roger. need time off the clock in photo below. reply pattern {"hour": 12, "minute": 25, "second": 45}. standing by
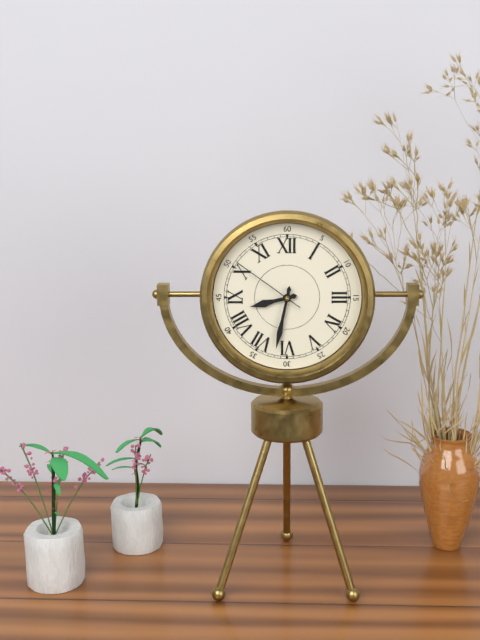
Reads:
{"hour": 8, "minute": 32, "second": 51}
